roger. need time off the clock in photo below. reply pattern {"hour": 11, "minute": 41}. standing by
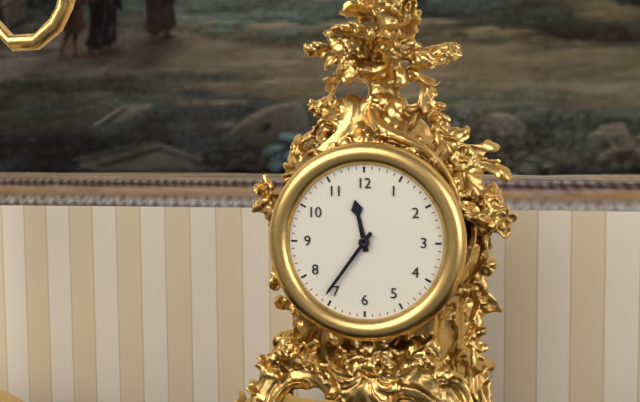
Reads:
{"hour": 11, "minute": 36}
